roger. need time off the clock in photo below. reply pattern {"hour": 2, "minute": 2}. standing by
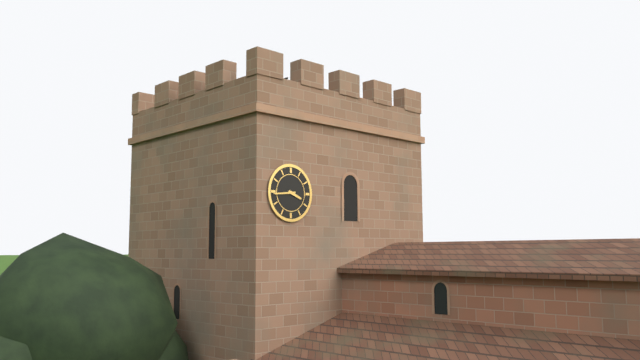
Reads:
{"hour": 3, "minute": 44}
